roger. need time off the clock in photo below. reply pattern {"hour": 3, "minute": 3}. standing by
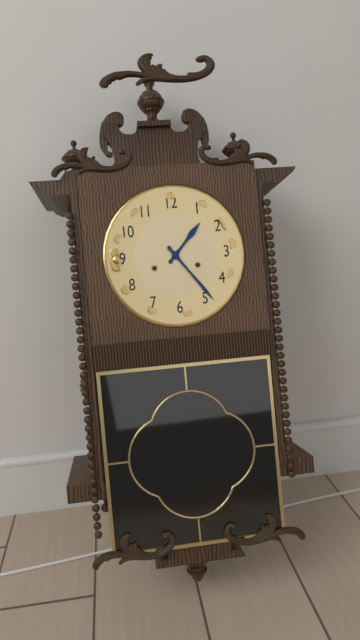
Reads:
{"hour": 1, "minute": 24}
